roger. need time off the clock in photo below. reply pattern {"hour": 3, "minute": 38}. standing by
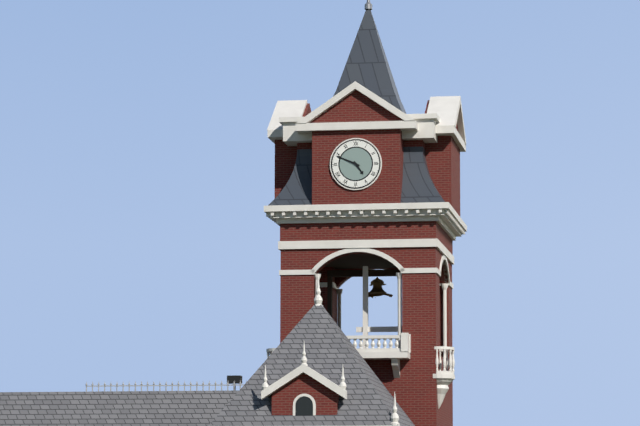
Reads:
{"hour": 4, "minute": 49}
